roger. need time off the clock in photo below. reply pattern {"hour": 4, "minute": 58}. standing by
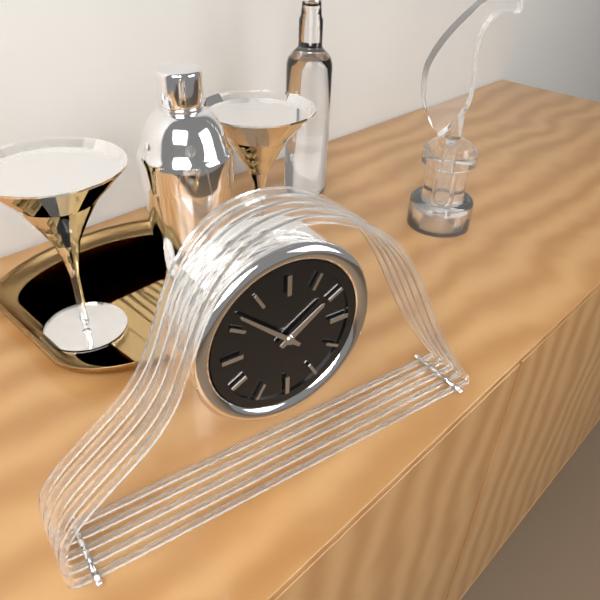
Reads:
{"hour": 1, "minute": 52}
